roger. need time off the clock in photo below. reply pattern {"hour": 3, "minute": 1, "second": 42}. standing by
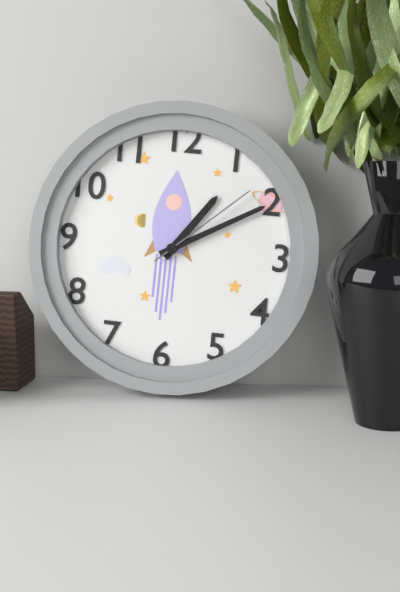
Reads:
{"hour": 1, "minute": 10, "second": 8}
